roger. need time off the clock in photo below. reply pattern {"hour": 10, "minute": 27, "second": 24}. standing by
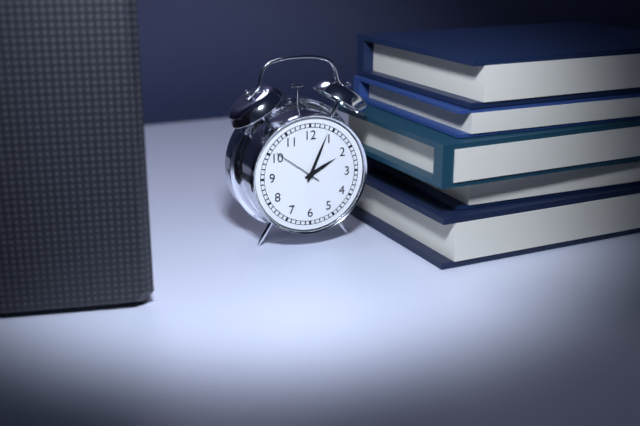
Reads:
{"hour": 2, "minute": 4, "second": 51}
